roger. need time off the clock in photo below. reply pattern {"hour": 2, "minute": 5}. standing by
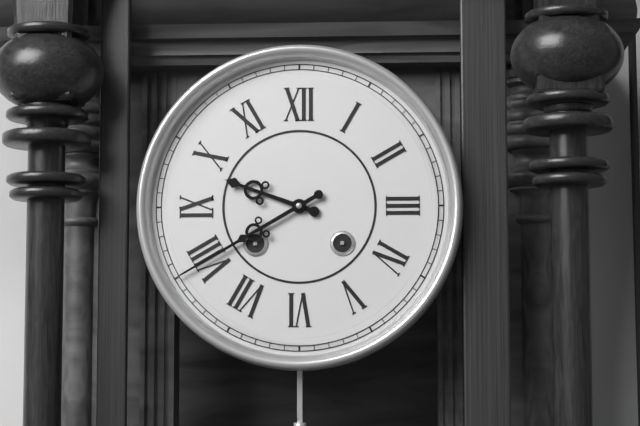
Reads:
{"hour": 9, "minute": 40}
